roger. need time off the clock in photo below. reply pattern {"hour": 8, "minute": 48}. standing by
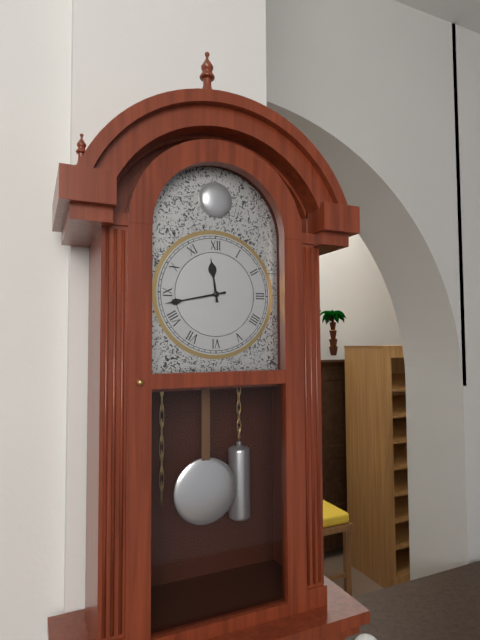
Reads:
{"hour": 11, "minute": 43}
